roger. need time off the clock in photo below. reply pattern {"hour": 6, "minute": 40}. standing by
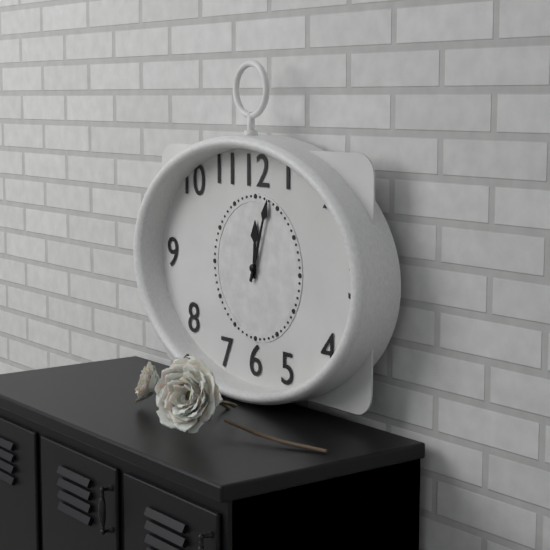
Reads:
{"hour": 12, "minute": 3}
